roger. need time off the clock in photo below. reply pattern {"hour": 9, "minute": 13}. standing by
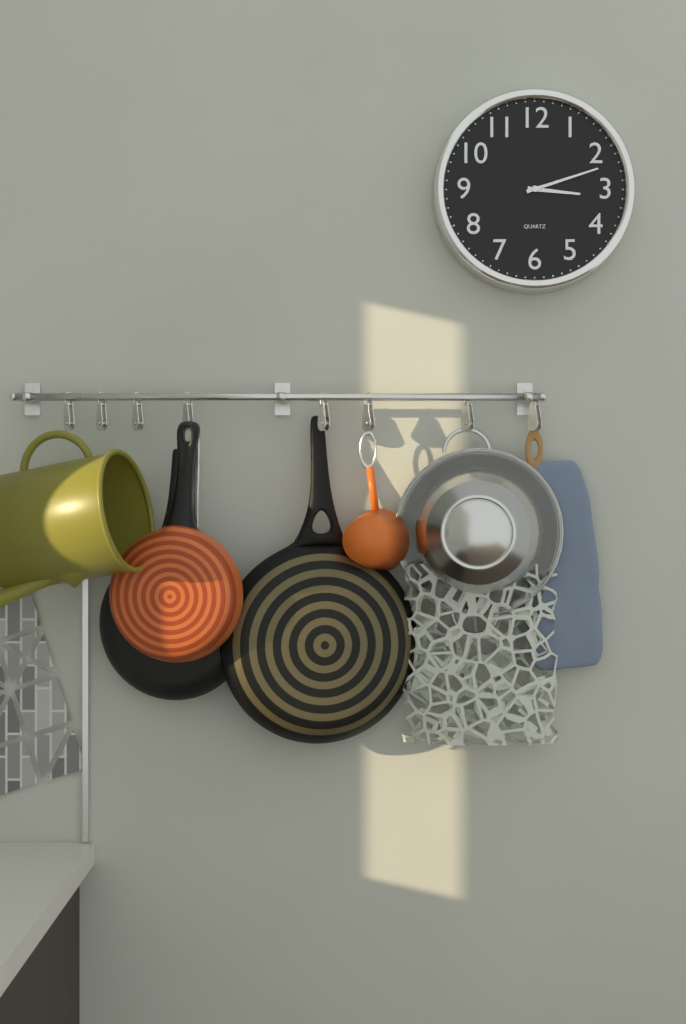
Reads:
{"hour": 3, "minute": 12}
